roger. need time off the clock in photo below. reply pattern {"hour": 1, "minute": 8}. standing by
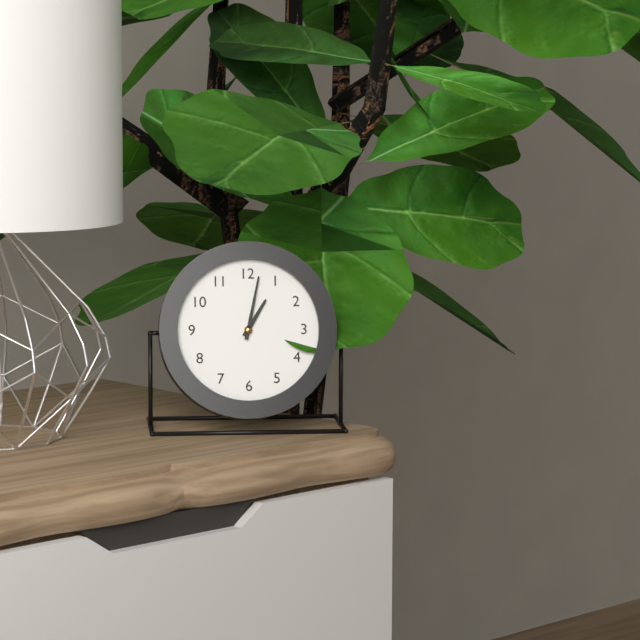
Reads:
{"hour": 1, "minute": 2}
